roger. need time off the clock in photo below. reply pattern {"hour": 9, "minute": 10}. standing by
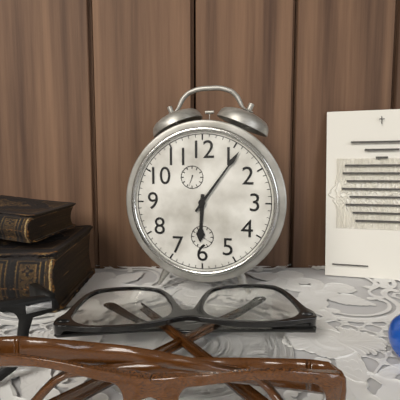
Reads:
{"hour": 6, "minute": 6}
